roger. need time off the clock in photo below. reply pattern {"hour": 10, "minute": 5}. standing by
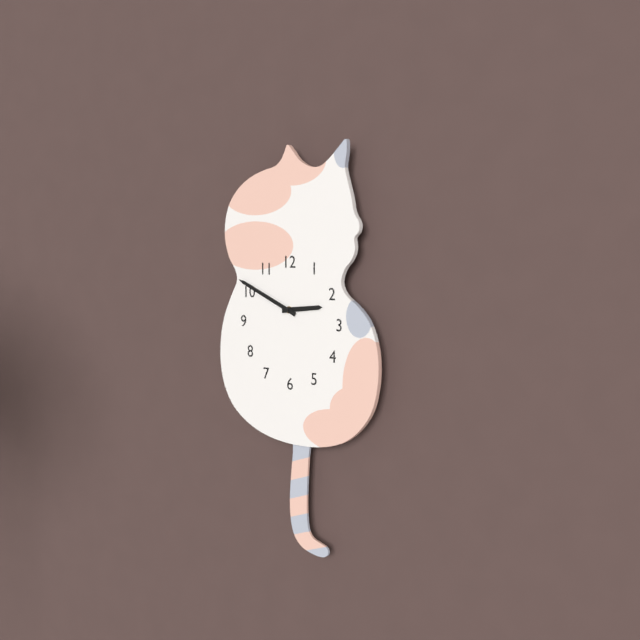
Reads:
{"hour": 2, "minute": 49}
